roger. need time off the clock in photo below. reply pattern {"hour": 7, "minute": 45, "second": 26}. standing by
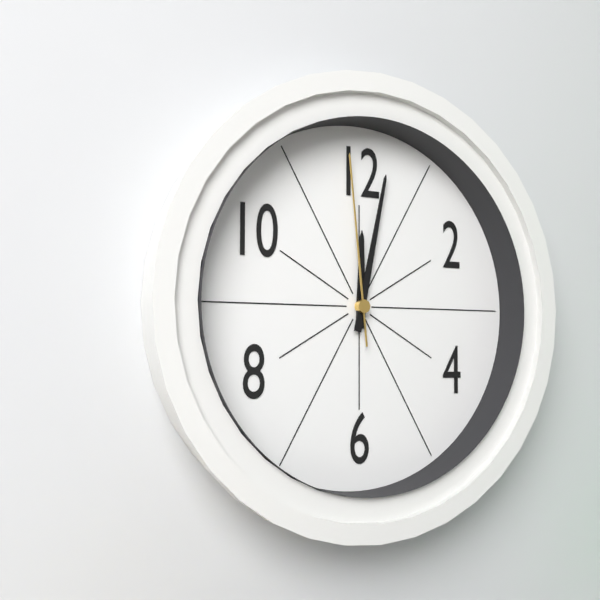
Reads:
{"hour": 12, "minute": 2, "second": 59}
